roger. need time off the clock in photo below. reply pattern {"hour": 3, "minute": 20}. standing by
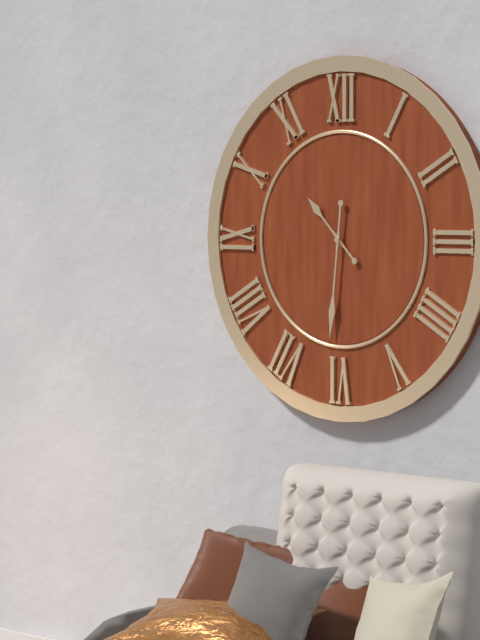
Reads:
{"hour": 10, "minute": 31}
